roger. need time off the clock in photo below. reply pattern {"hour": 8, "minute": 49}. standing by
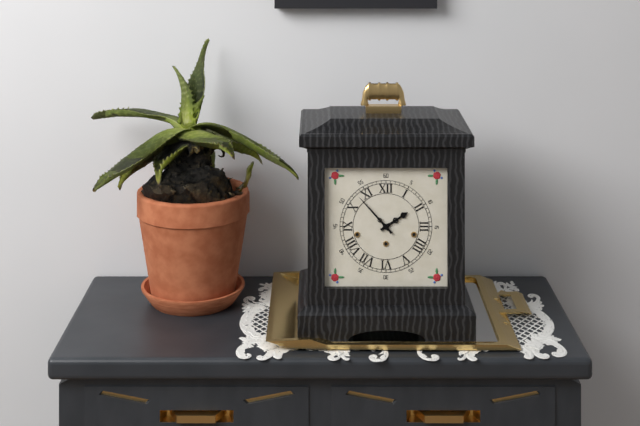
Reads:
{"hour": 1, "minute": 53}
